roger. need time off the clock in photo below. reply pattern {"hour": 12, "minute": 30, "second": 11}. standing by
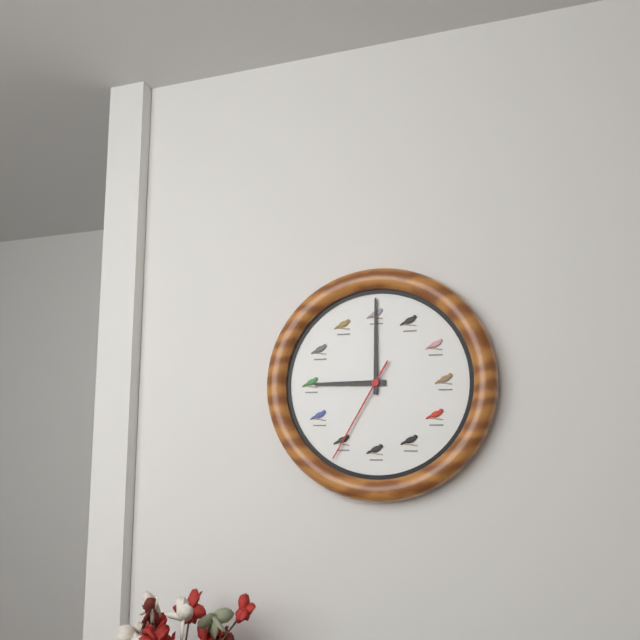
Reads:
{"hour": 9, "minute": 0, "second": 35}
